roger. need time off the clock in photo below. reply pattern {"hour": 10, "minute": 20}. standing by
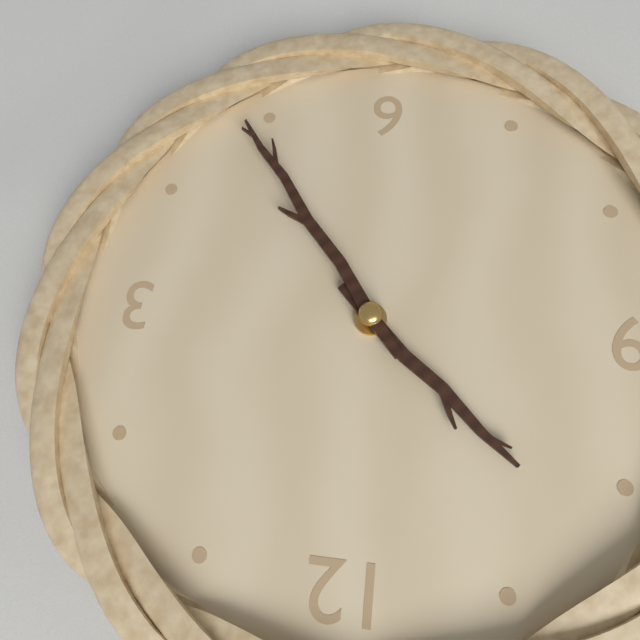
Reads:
{"hour": 10, "minute": 24}
